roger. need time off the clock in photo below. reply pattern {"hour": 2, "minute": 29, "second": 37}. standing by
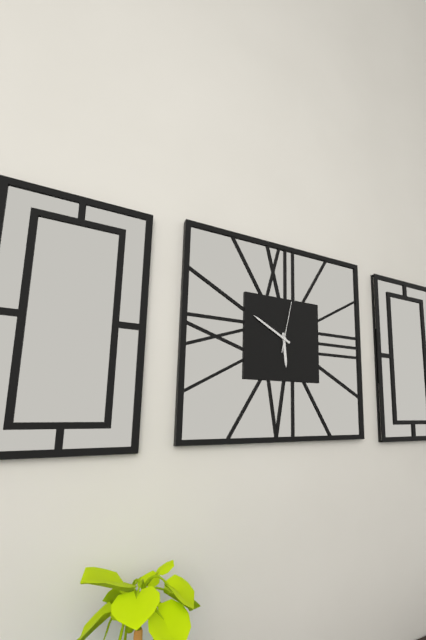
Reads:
{"hour": 5, "minute": 50, "second": 2}
